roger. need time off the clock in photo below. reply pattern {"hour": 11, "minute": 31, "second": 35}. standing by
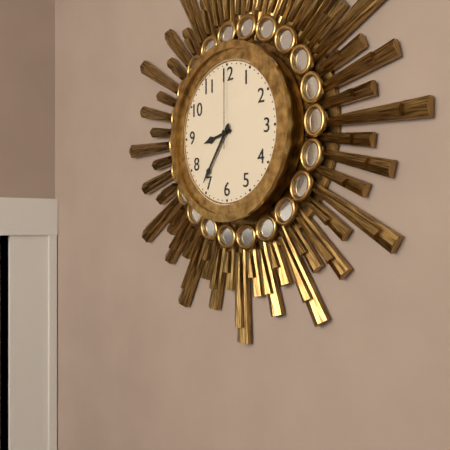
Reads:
{"hour": 8, "minute": 36, "second": 0}
